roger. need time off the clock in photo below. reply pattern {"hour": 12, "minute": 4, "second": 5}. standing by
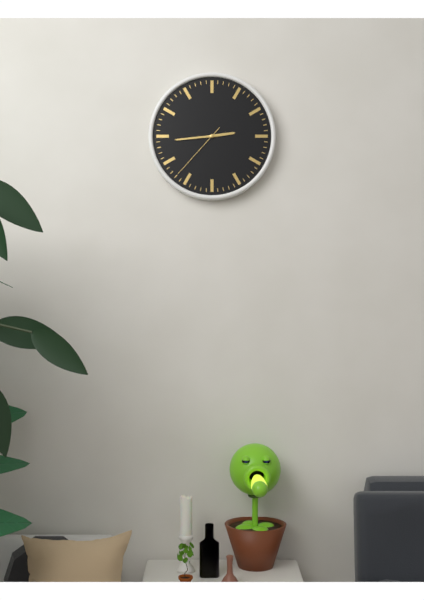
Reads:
{"hour": 2, "minute": 44, "second": 37}
